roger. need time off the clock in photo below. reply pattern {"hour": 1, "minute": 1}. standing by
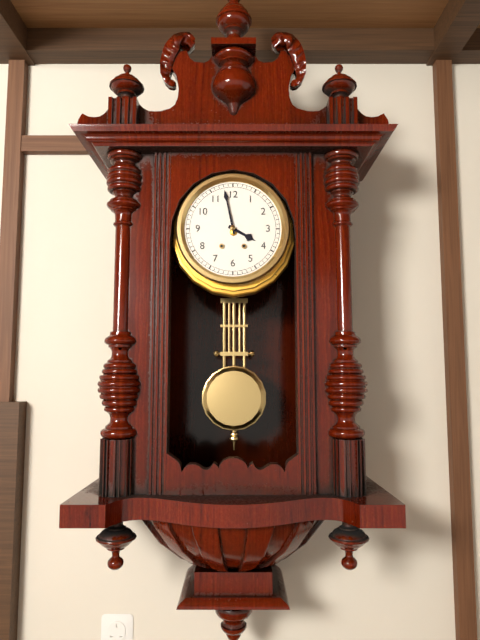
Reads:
{"hour": 3, "minute": 58}
